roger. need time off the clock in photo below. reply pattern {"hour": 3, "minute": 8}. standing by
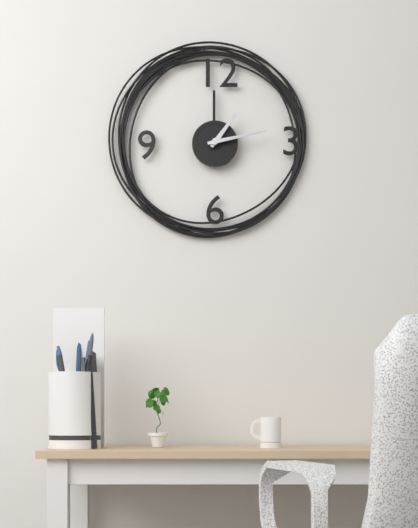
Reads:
{"hour": 1, "minute": 13}
